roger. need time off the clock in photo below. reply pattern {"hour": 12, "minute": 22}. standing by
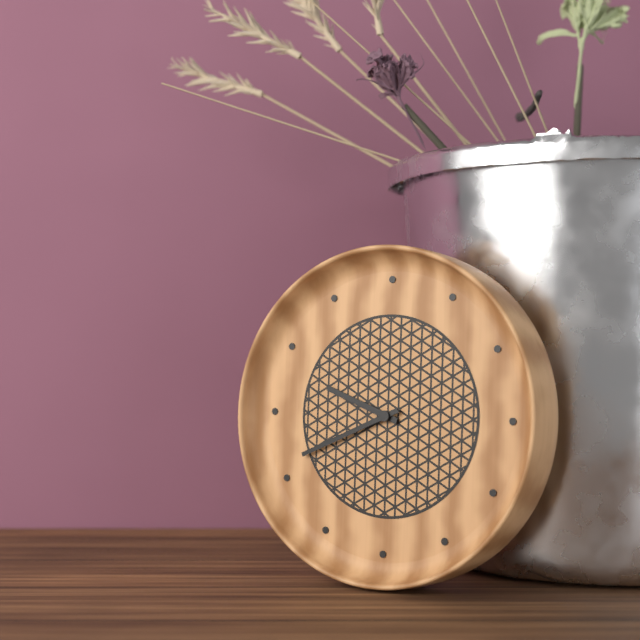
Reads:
{"hour": 9, "minute": 41}
